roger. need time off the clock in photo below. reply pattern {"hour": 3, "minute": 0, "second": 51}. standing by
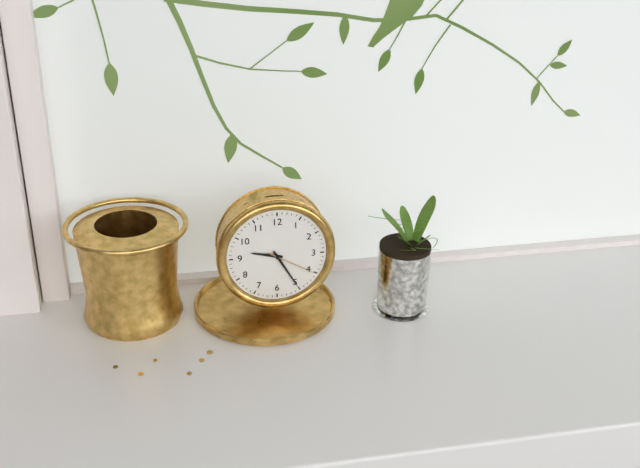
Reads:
{"hour": 9, "minute": 25, "second": 20}
